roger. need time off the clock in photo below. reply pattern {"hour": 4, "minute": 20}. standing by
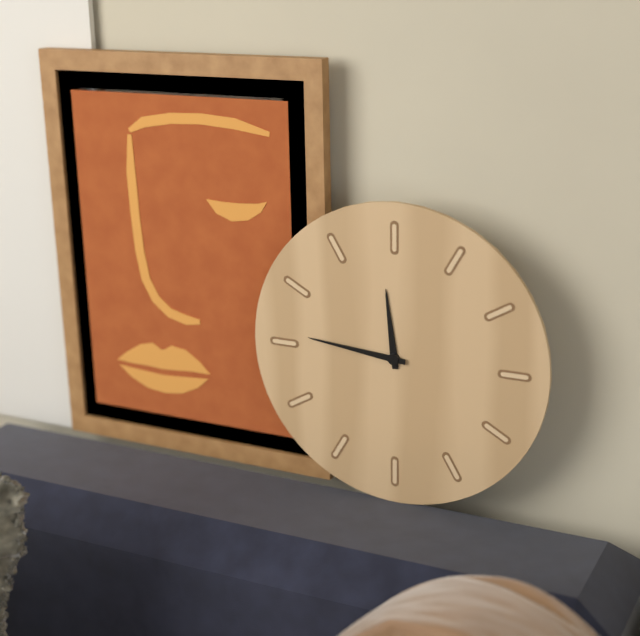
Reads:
{"hour": 11, "minute": 46}
